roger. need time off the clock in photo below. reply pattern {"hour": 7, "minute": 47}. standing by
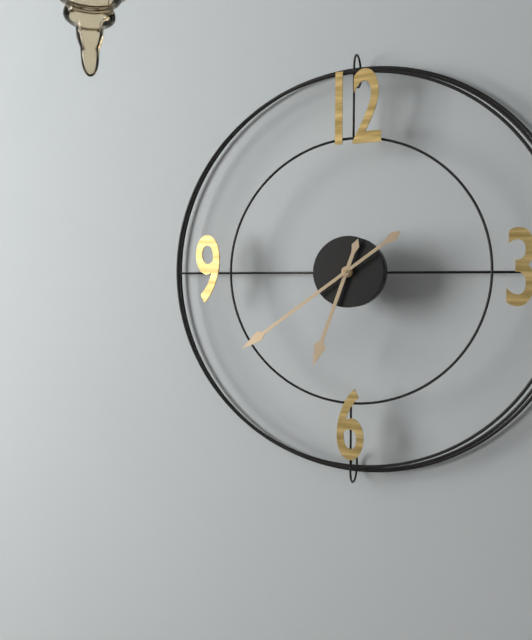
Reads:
{"hour": 6, "minute": 39}
